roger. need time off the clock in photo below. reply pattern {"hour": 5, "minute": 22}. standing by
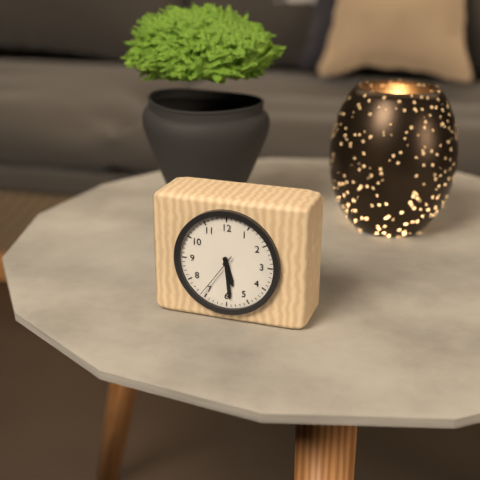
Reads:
{"hour": 5, "minute": 29}
